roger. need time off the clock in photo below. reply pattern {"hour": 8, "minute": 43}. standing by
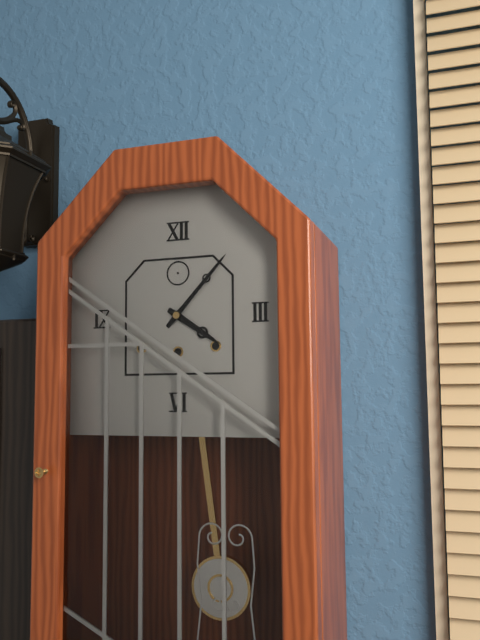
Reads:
{"hour": 4, "minute": 7}
